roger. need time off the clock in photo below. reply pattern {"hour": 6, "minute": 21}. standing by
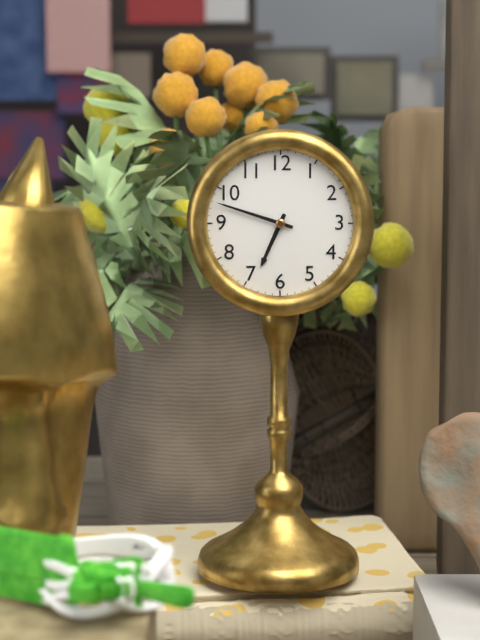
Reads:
{"hour": 6, "minute": 48}
